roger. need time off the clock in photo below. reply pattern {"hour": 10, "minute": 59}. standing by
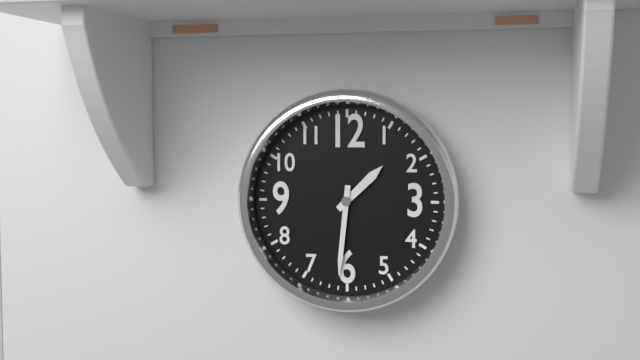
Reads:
{"hour": 1, "minute": 31}
